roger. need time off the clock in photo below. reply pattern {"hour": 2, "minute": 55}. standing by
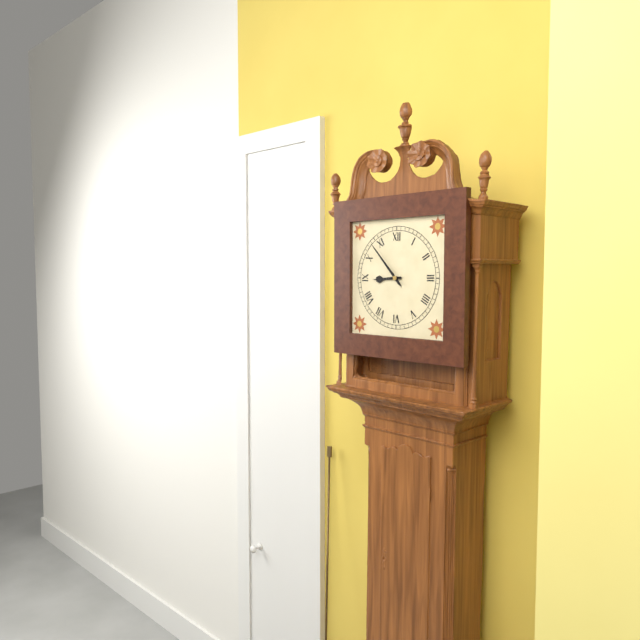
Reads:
{"hour": 8, "minute": 53}
